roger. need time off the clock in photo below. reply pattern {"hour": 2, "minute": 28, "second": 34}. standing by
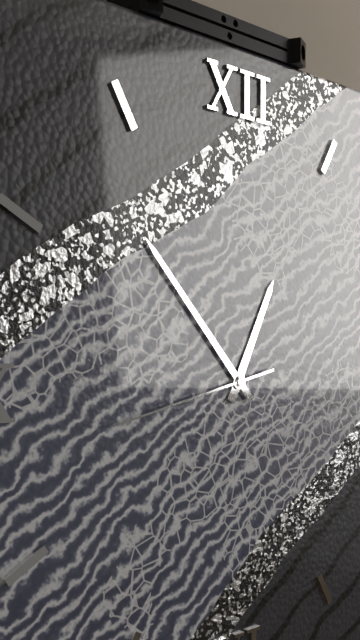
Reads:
{"hour": 12, "minute": 53, "second": 43}
